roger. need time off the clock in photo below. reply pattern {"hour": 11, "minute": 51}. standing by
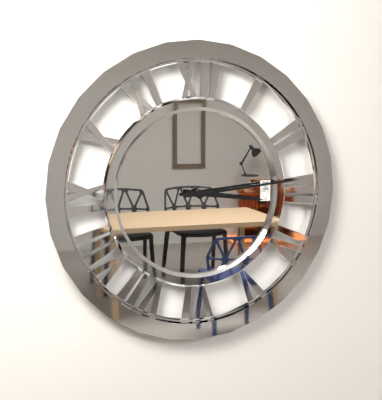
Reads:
{"hour": 3, "minute": 14}
